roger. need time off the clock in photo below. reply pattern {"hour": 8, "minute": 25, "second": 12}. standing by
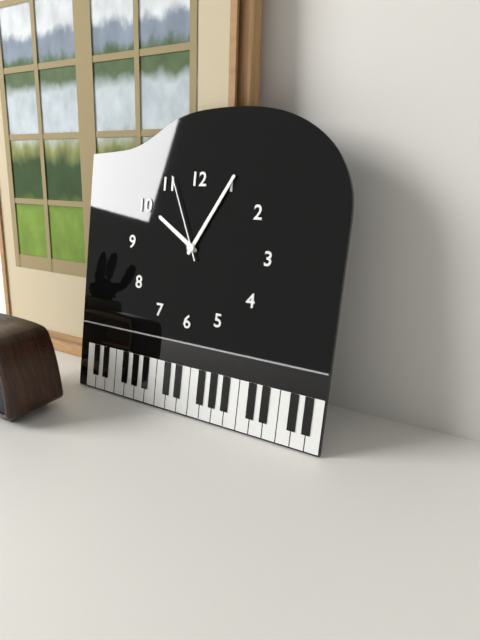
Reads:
{"hour": 10, "minute": 5, "second": 56}
